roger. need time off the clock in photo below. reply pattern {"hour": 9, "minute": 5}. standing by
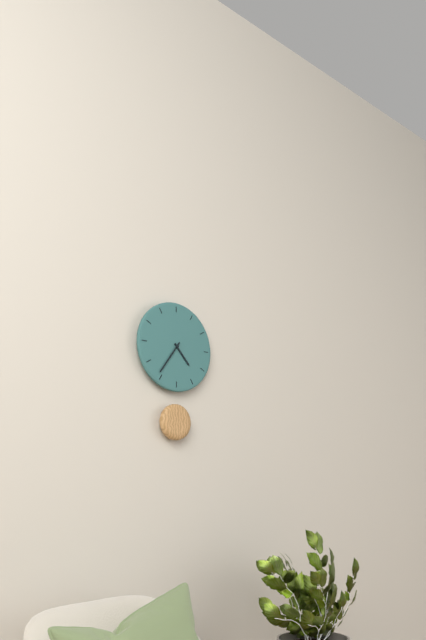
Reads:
{"hour": 4, "minute": 36}
